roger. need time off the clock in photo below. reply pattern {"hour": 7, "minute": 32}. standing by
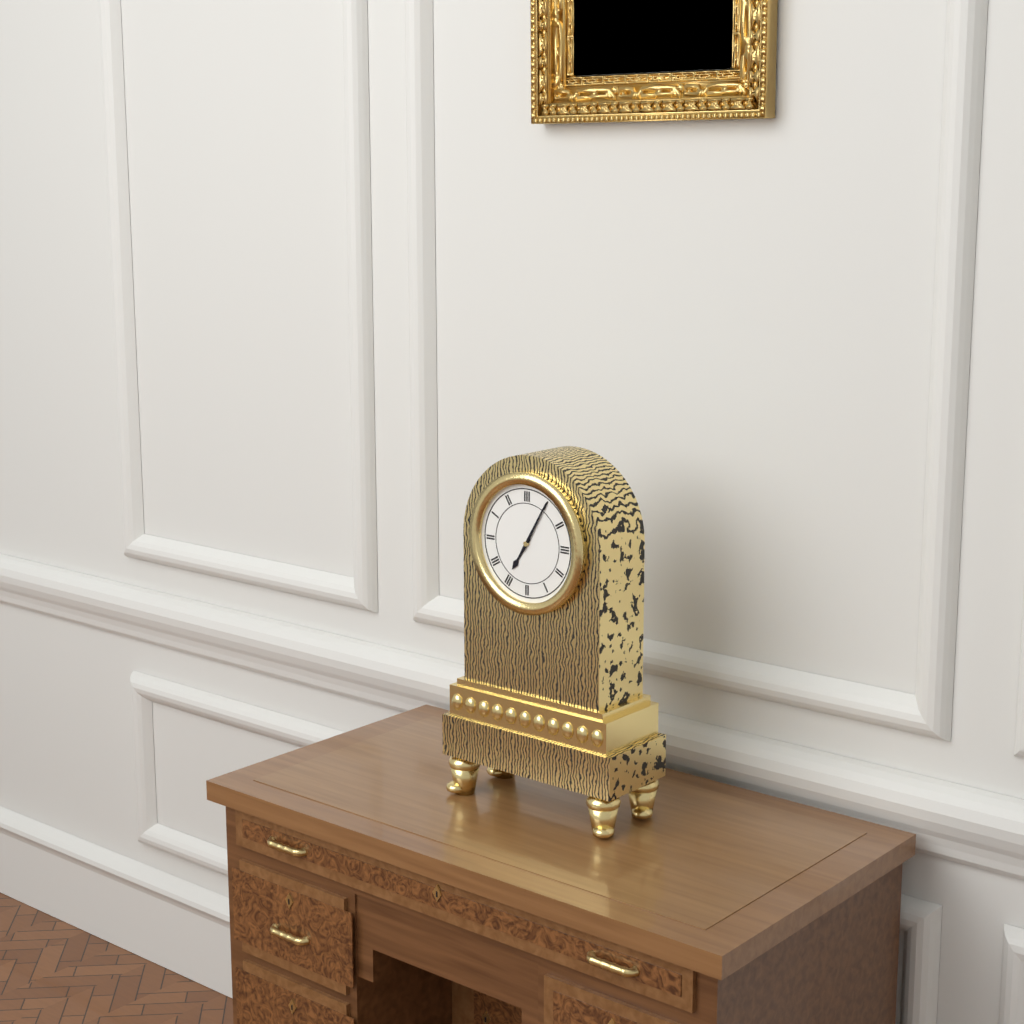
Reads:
{"hour": 7, "minute": 5}
